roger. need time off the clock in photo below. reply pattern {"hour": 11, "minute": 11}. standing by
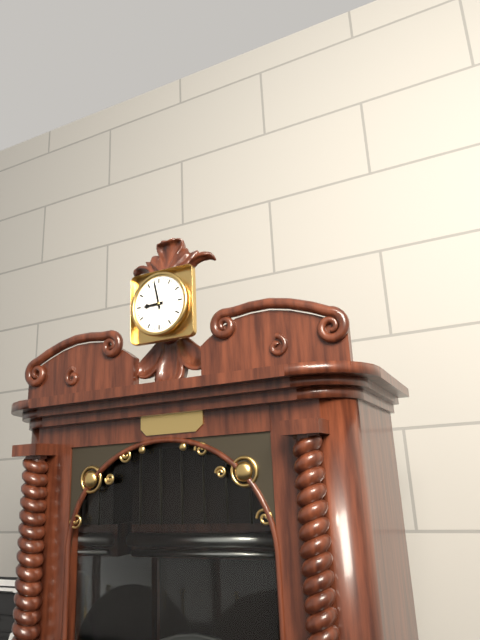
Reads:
{"hour": 8, "minute": 58}
